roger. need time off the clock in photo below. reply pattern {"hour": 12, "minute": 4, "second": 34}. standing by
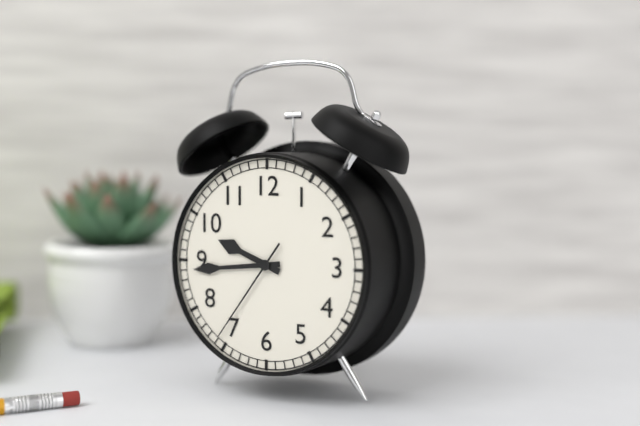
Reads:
{"hour": 9, "minute": 44, "second": 36}
